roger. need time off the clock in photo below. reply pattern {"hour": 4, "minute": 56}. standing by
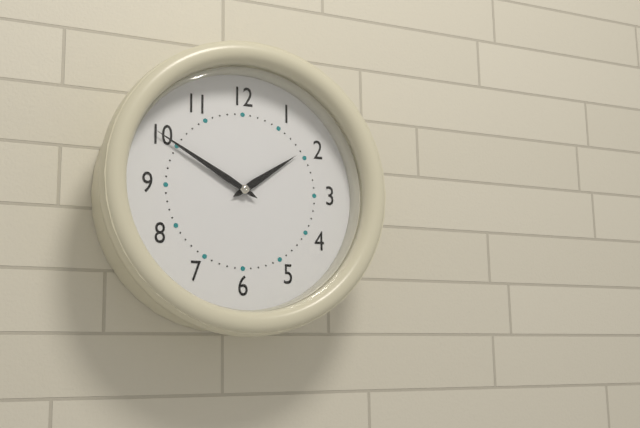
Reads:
{"hour": 1, "minute": 50}
